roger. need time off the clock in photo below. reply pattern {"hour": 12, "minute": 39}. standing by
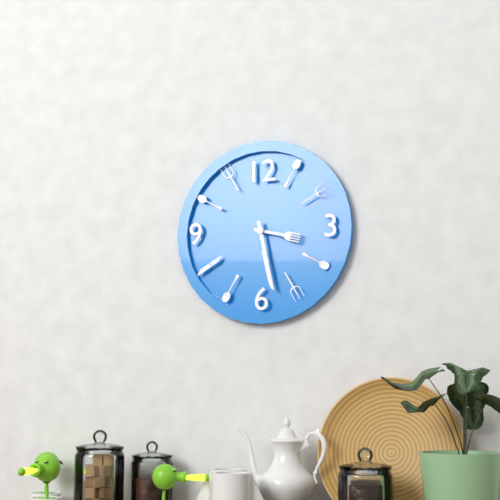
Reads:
{"hour": 3, "minute": 28}
